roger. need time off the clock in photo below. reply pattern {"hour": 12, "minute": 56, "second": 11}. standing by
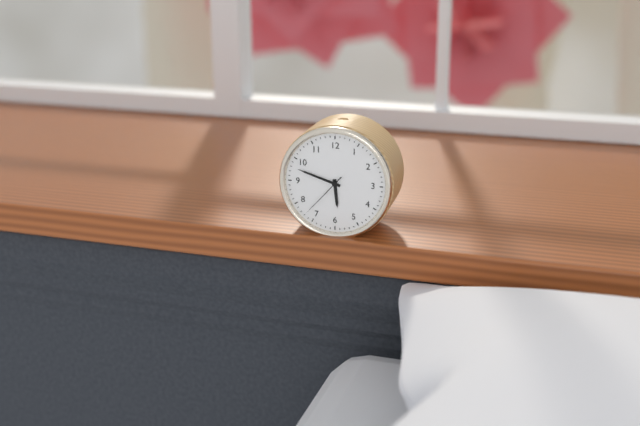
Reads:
{"hour": 5, "minute": 48, "second": 37}
